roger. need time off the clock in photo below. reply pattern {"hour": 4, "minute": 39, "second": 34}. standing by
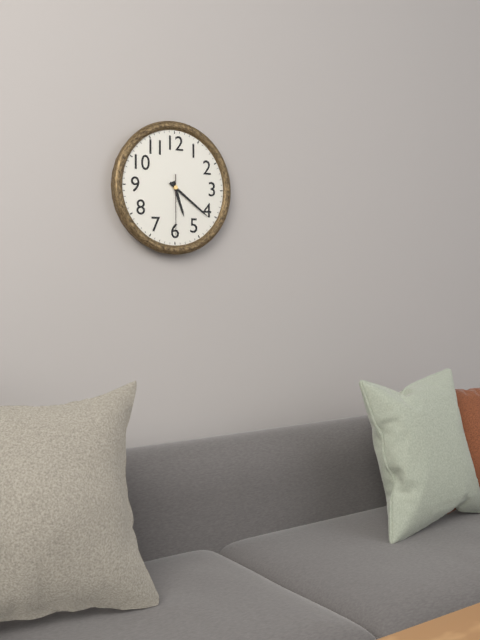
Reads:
{"hour": 5, "minute": 21, "second": 30}
